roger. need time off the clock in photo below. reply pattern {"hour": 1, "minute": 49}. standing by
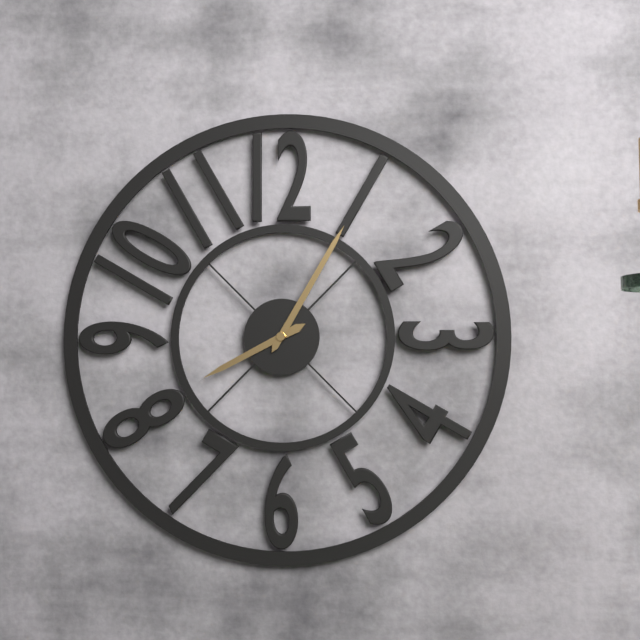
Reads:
{"hour": 8, "minute": 5}
